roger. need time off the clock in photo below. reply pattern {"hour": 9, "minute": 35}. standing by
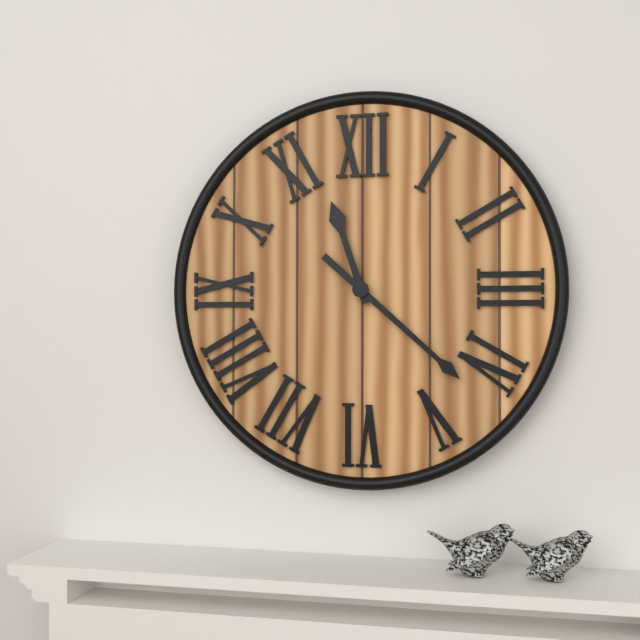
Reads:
{"hour": 11, "minute": 22}
